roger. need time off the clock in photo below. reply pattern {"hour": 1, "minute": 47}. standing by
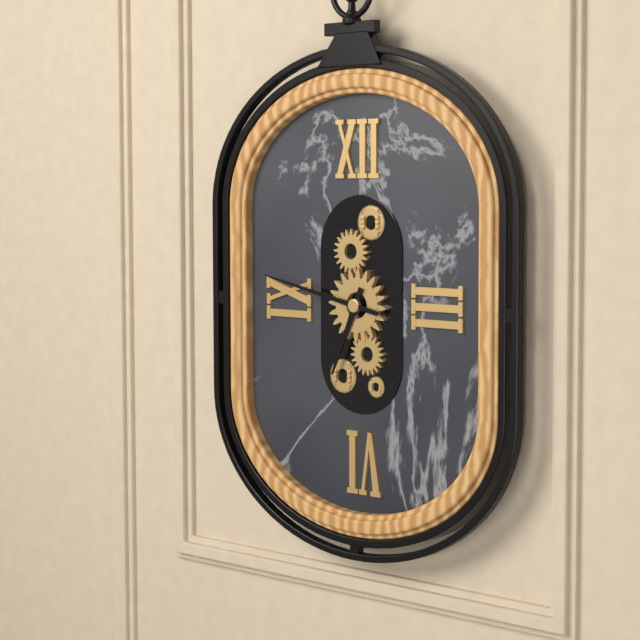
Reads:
{"hour": 6, "minute": 47}
